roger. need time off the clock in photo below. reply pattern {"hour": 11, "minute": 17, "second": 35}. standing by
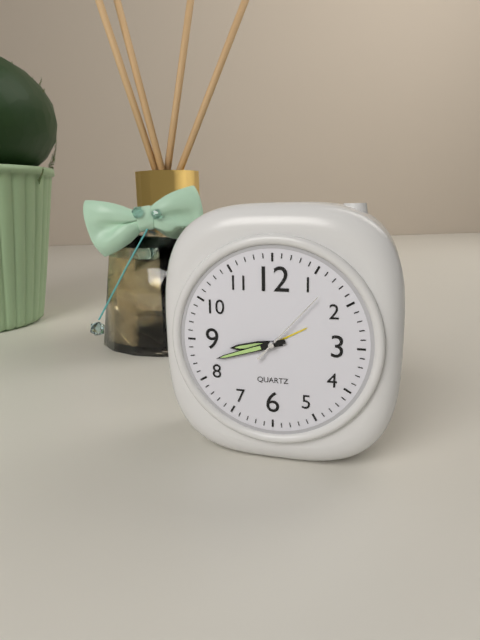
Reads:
{"hour": 8, "minute": 42, "second": 7}
